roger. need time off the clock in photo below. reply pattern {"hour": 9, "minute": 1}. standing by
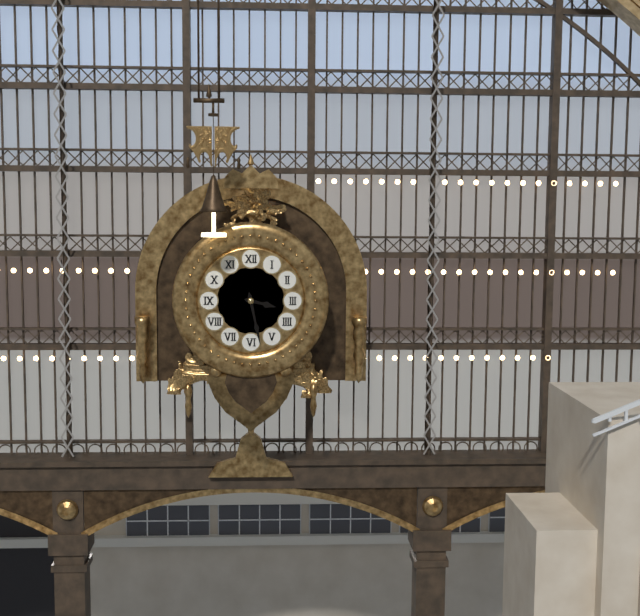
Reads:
{"hour": 3, "minute": 28}
